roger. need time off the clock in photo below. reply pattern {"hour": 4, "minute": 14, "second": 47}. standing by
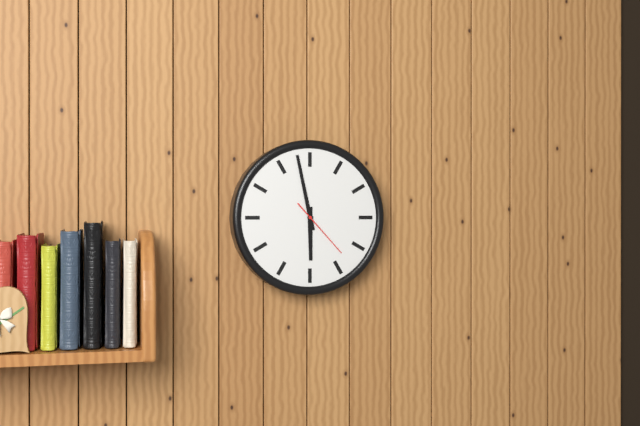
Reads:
{"hour": 5, "minute": 58, "second": 23}
